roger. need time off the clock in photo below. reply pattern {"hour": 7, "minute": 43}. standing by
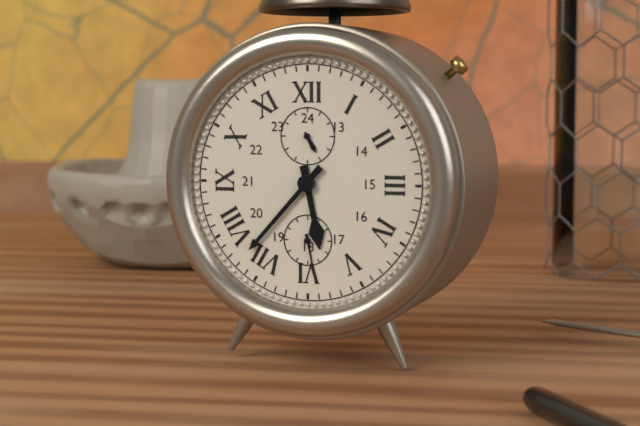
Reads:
{"hour": 5, "minute": 37}
